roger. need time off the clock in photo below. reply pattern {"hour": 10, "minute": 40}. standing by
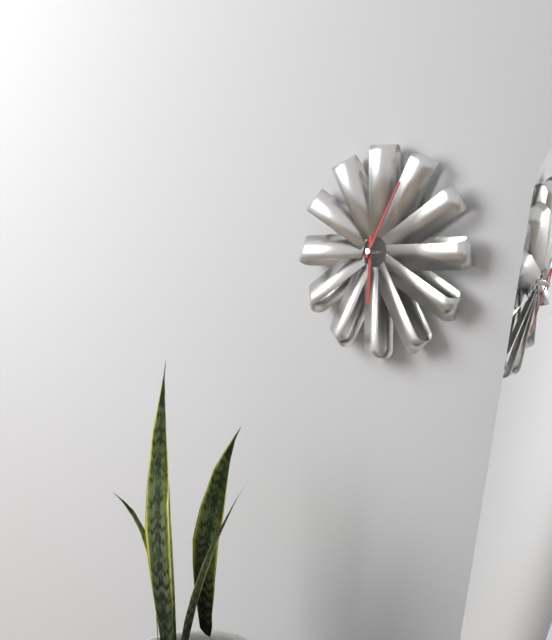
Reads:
{"hour": 6, "minute": 5}
